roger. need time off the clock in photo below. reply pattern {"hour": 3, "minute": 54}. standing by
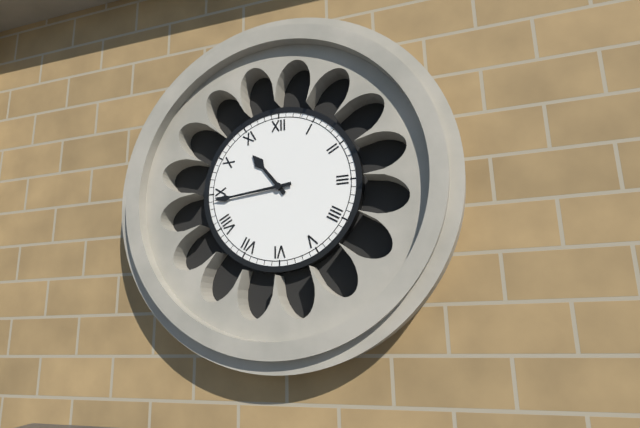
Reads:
{"hour": 10, "minute": 44}
